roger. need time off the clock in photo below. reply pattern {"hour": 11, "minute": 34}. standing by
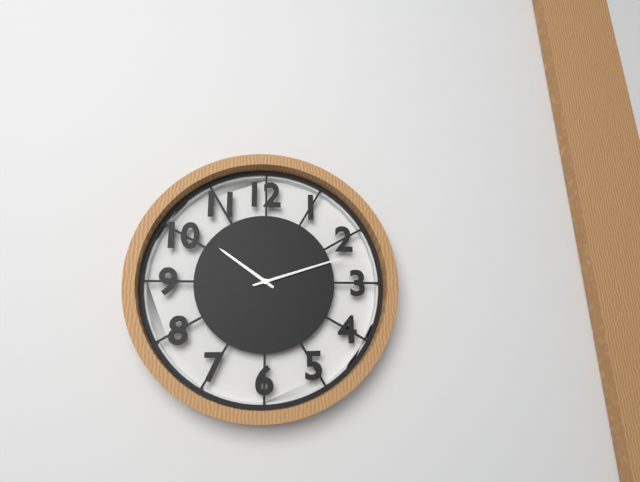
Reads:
{"hour": 10, "minute": 12}
